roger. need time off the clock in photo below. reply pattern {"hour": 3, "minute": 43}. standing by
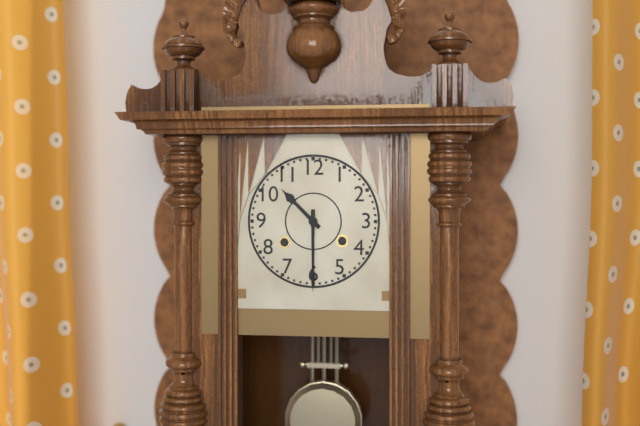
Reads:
{"hour": 10, "minute": 30}
